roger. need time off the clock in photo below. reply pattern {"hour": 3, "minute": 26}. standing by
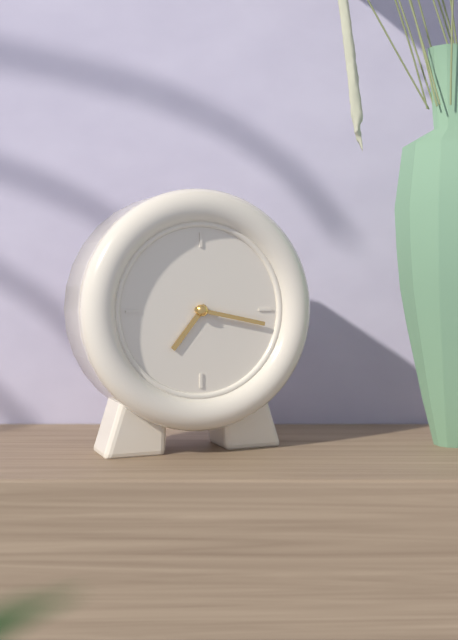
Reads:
{"hour": 7, "minute": 17}
